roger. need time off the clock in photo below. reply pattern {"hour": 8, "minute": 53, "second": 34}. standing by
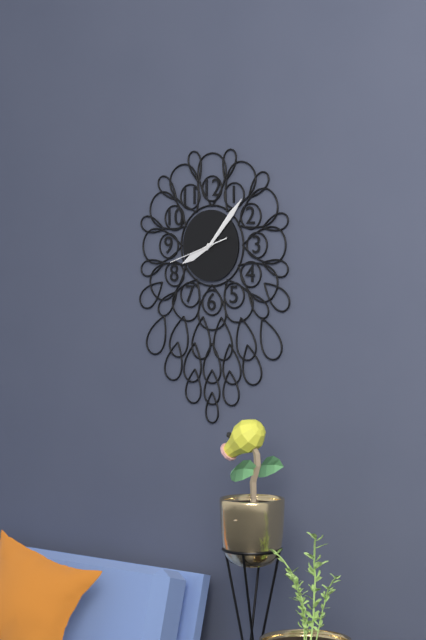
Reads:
{"hour": 8, "minute": 7, "second": 42}
